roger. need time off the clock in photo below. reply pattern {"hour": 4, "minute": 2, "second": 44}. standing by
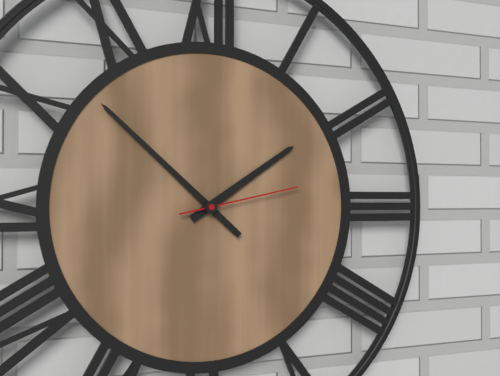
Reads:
{"hour": 1, "minute": 52, "second": 13}
